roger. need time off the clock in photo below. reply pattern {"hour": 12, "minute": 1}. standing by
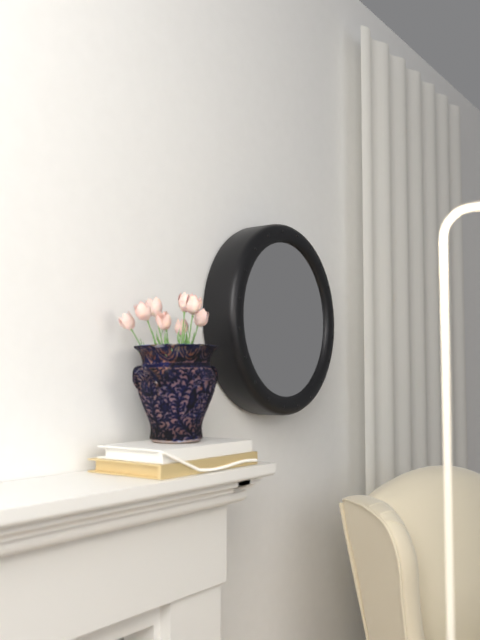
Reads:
{"hour": 3, "minute": 8}
